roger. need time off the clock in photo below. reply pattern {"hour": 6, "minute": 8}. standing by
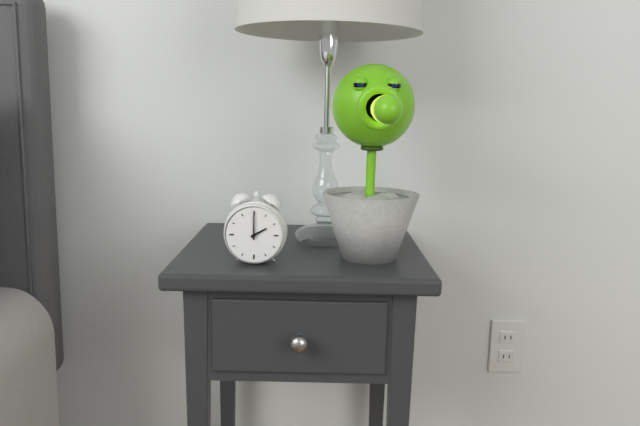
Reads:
{"hour": 2, "minute": 0}
